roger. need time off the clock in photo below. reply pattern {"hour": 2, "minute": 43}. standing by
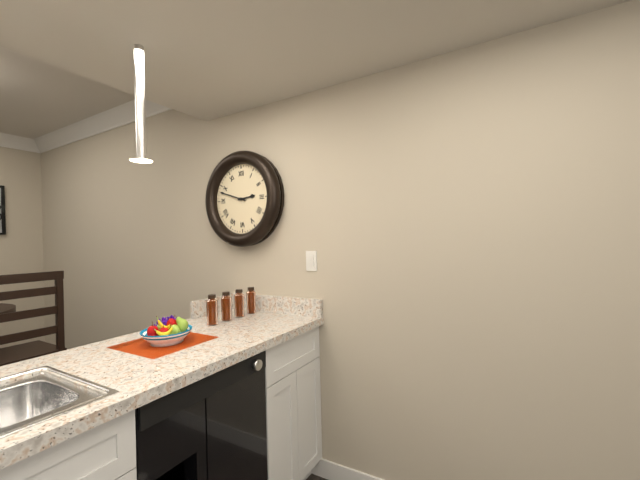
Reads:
{"hour": 2, "minute": 48}
